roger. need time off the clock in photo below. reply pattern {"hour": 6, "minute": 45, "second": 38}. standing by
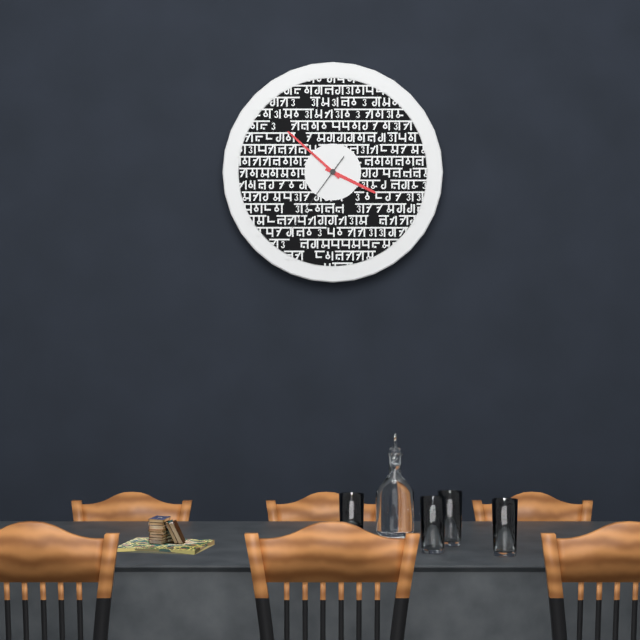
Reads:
{"hour": 3, "minute": 52, "second": 36}
